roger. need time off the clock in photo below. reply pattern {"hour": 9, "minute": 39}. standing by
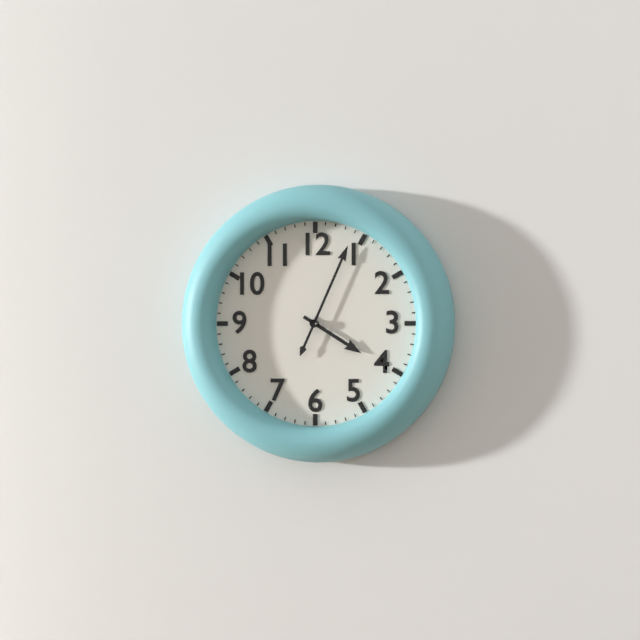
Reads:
{"hour": 4, "minute": 4}
